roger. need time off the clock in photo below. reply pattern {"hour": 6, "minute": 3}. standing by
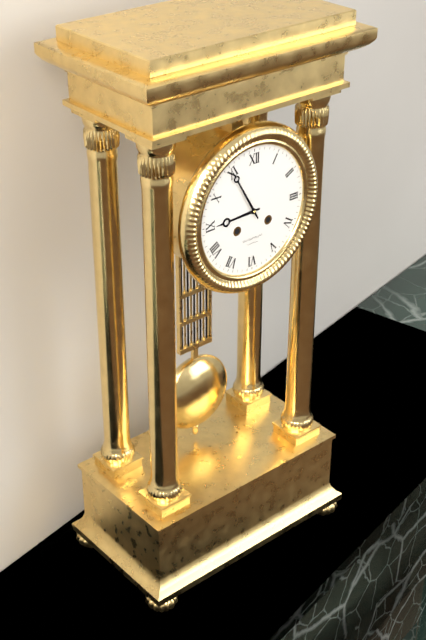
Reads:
{"hour": 8, "minute": 55}
